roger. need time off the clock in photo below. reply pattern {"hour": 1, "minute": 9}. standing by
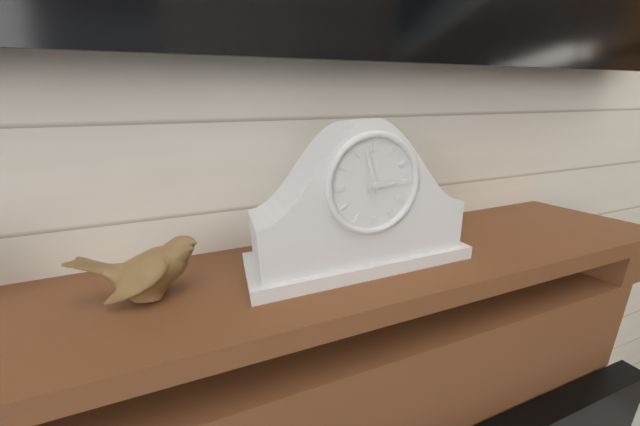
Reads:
{"hour": 2, "minute": 57}
